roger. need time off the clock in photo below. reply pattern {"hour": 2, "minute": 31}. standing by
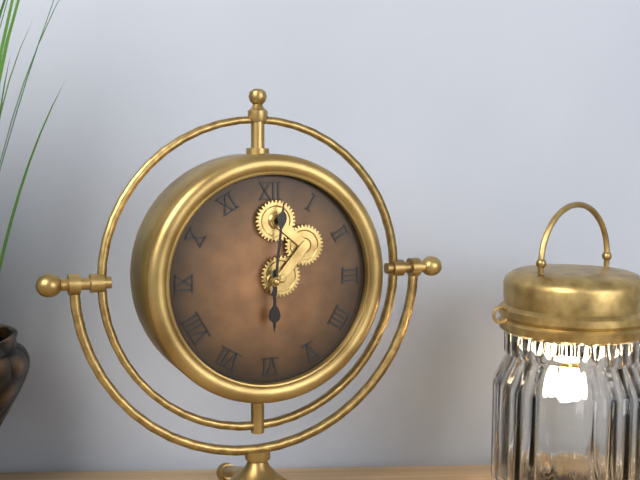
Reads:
{"hour": 6, "minute": 1}
